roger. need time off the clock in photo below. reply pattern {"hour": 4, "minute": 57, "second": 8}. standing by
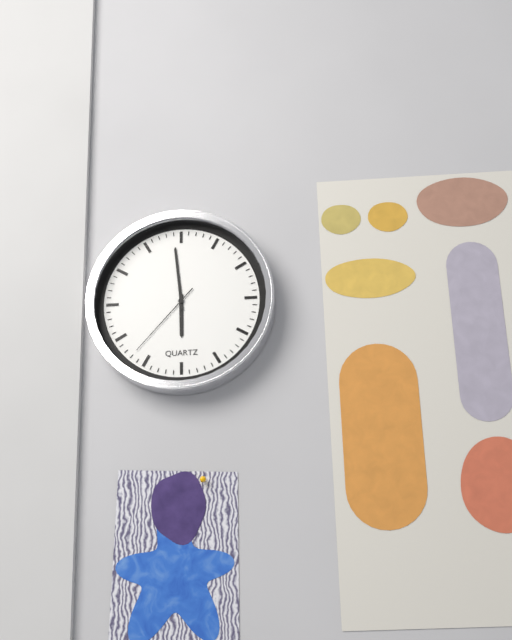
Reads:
{"hour": 5, "minute": 59, "second": 37}
